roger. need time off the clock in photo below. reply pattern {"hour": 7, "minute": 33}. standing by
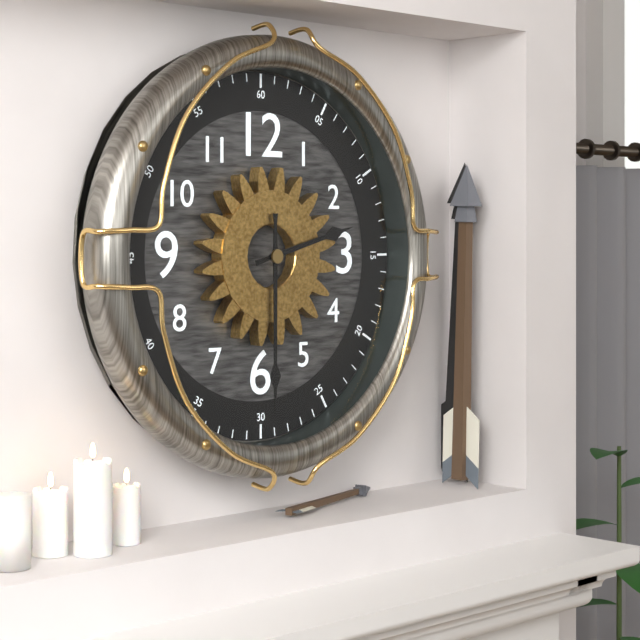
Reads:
{"hour": 2, "minute": 30}
